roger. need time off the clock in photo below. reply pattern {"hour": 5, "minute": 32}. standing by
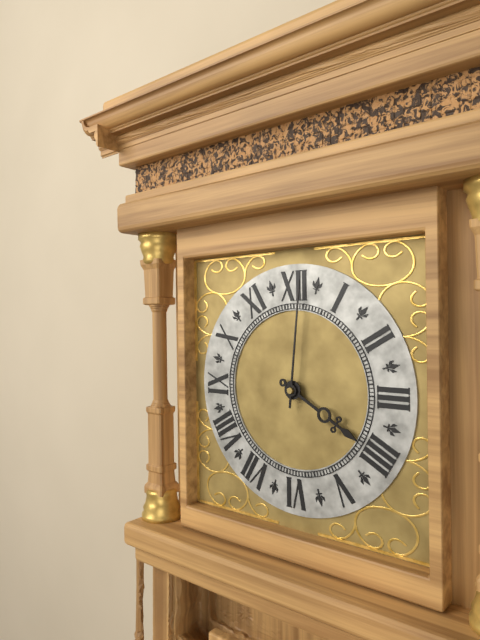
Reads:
{"hour": 4, "minute": 1}
